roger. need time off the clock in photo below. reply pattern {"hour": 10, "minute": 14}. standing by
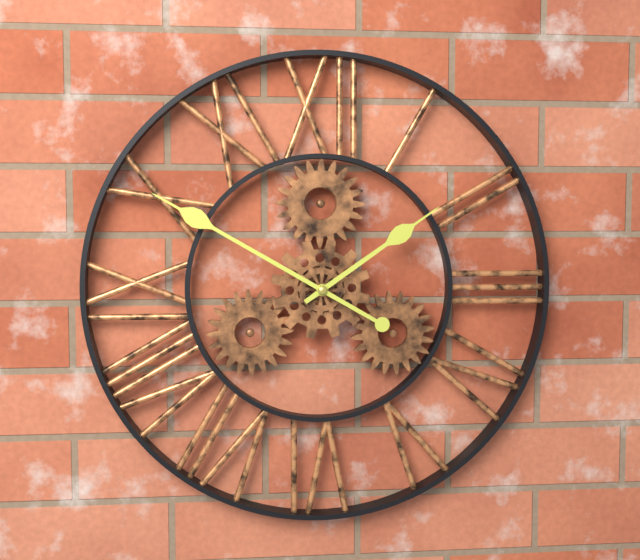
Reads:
{"hour": 1, "minute": 50}
